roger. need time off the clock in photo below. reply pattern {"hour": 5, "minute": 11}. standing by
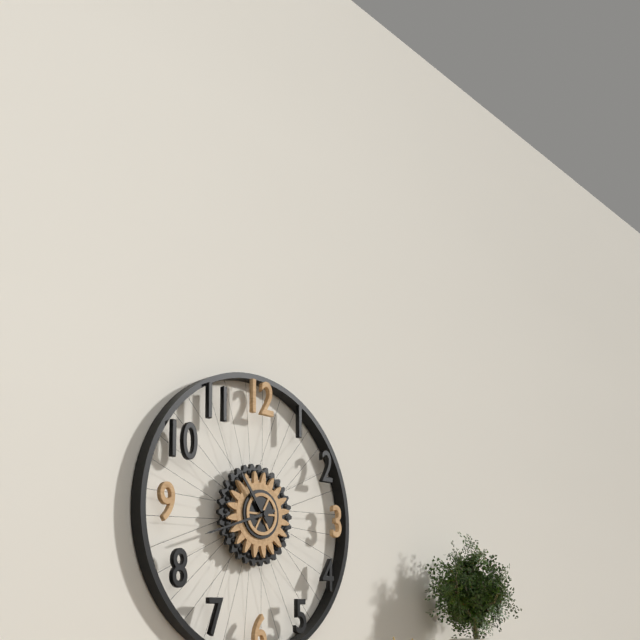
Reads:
{"hour": 10, "minute": 42}
